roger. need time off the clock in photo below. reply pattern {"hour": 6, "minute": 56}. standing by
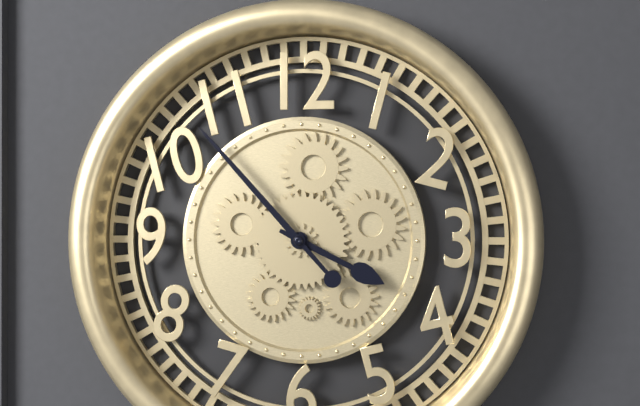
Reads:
{"hour": 3, "minute": 53}
